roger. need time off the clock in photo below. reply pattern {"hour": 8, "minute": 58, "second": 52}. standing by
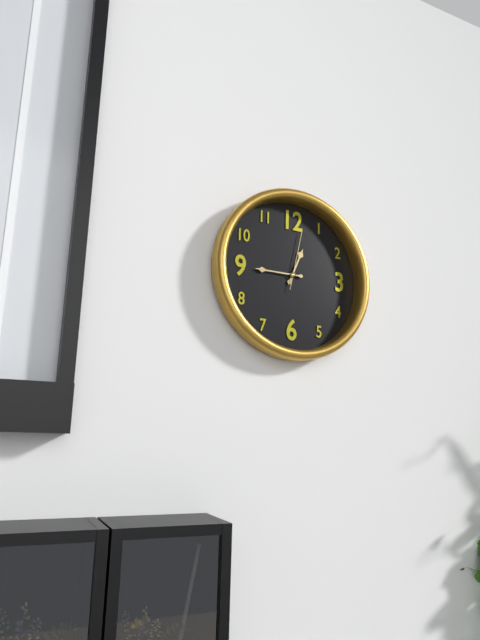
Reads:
{"hour": 12, "minute": 45, "second": 2}
